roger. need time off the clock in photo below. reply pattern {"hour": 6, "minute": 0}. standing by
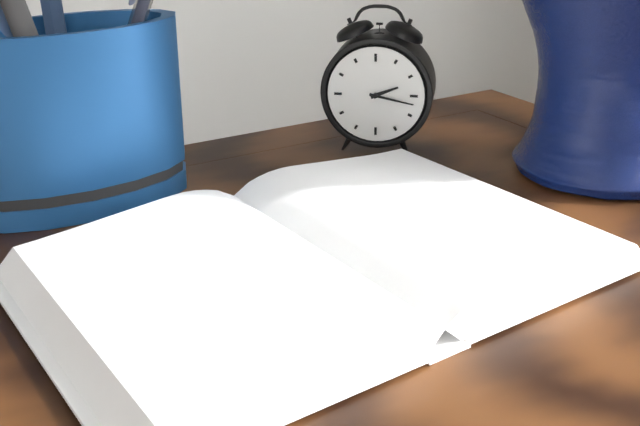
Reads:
{"hour": 2, "minute": 17}
